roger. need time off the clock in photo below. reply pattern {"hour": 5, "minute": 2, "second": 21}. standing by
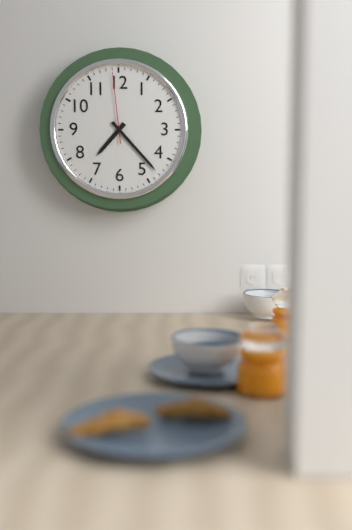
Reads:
{"hour": 7, "minute": 23, "second": 59}
